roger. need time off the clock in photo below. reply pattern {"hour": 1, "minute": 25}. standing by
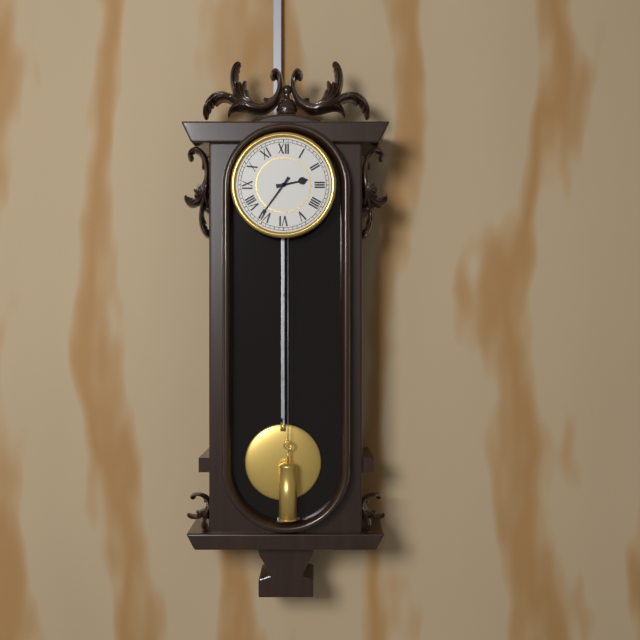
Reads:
{"hour": 2, "minute": 36}
